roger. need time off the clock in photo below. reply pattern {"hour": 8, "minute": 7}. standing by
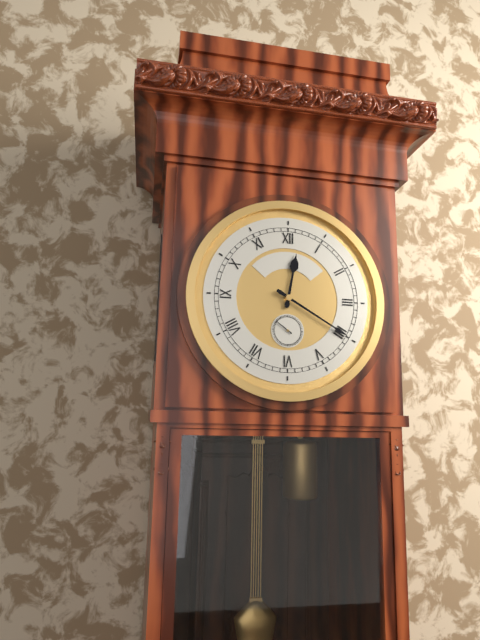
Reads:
{"hour": 12, "minute": 20}
